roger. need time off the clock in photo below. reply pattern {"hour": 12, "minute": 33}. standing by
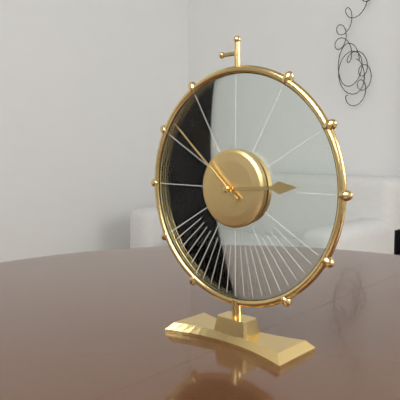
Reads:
{"hour": 2, "minute": 52}
